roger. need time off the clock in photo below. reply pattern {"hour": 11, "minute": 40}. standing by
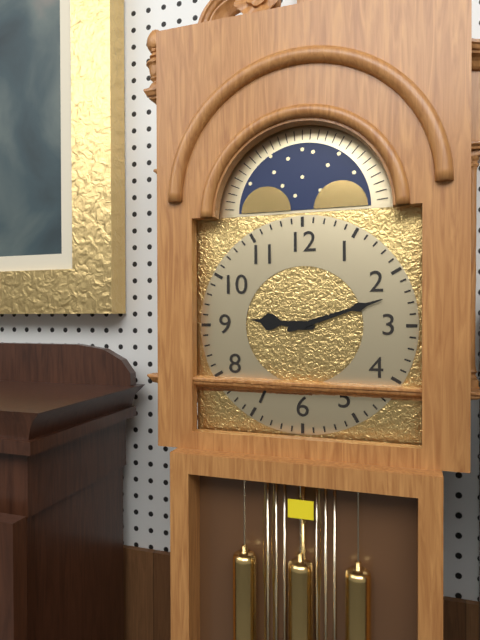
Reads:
{"hour": 9, "minute": 12}
